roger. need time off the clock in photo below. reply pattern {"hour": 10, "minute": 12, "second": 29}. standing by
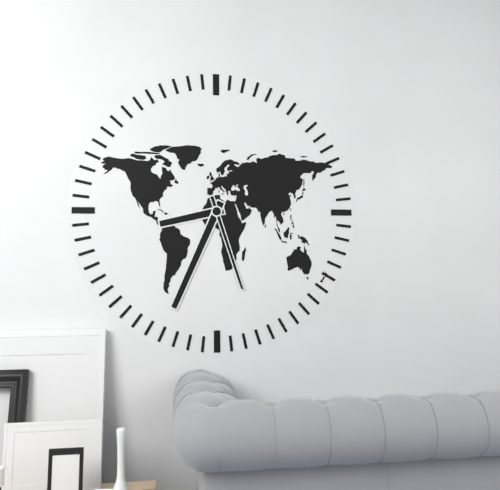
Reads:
{"hour": 8, "minute": 34, "second": 27}
